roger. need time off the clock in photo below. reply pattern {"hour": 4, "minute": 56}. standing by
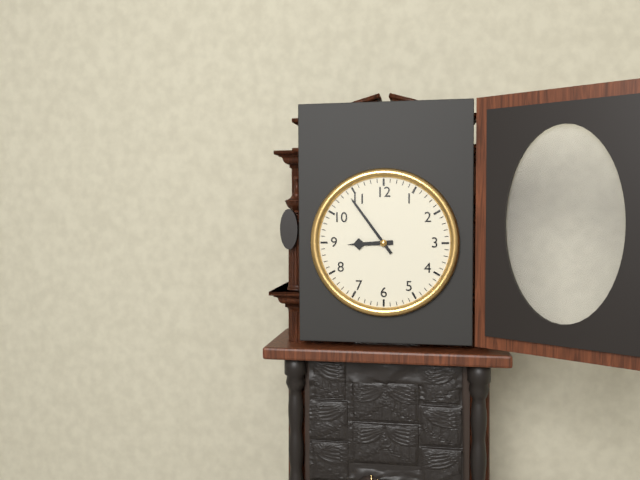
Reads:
{"hour": 8, "minute": 54}
